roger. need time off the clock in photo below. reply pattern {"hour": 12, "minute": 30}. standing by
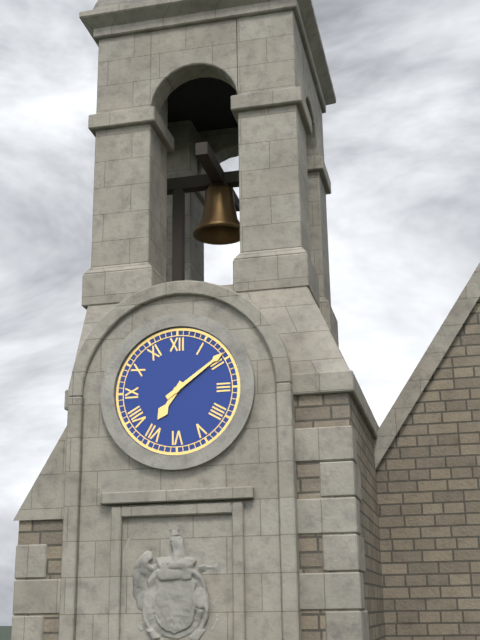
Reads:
{"hour": 7, "minute": 9}
